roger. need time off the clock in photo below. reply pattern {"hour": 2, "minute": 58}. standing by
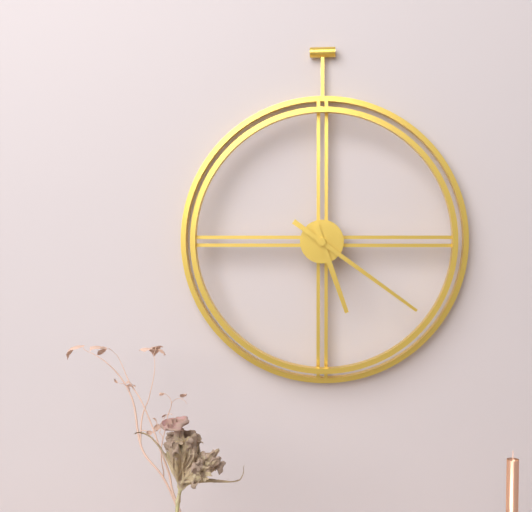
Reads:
{"hour": 5, "minute": 21}
